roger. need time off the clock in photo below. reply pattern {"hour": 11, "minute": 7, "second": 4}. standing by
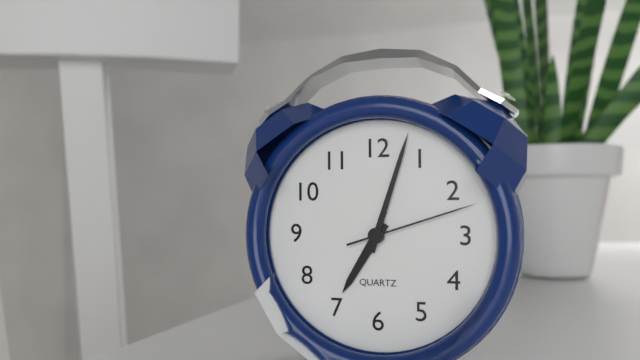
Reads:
{"hour": 7, "minute": 3, "second": 12}
